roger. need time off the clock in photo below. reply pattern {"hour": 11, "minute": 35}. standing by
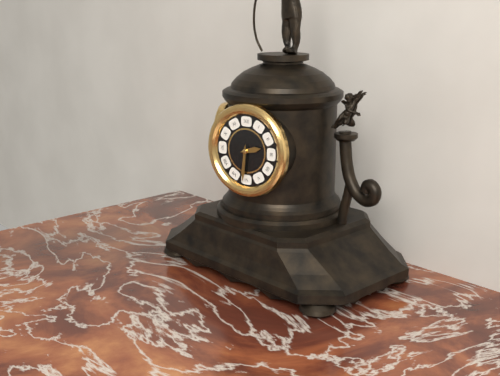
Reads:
{"hour": 2, "minute": 31}
